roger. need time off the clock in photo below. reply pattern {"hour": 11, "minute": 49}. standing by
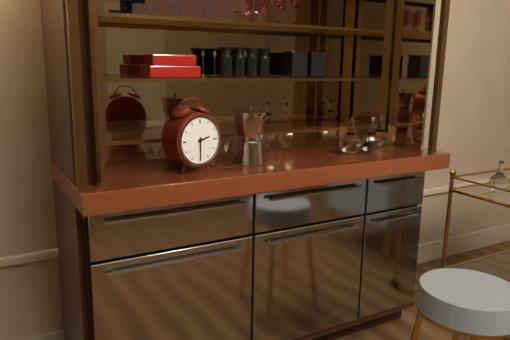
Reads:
{"hour": 2, "minute": 30}
